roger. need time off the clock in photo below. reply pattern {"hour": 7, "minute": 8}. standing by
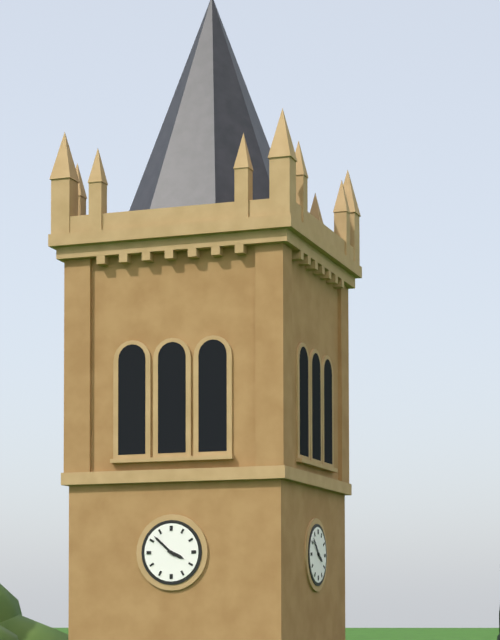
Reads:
{"hour": 3, "minute": 52}
